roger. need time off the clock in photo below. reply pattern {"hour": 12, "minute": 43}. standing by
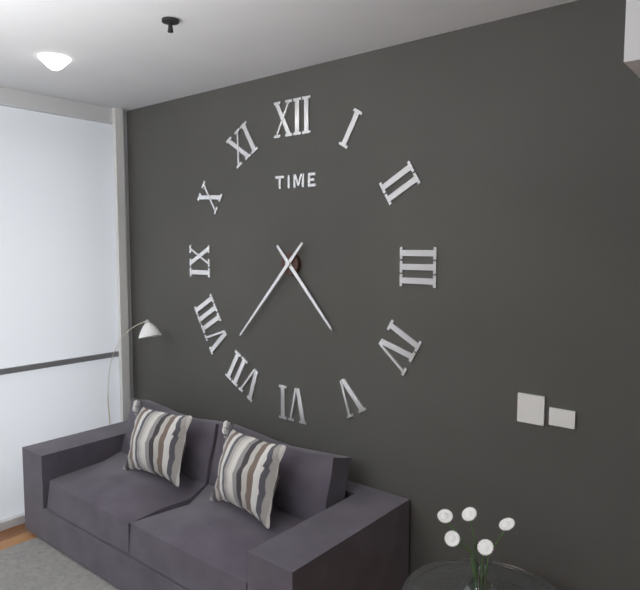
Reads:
{"hour": 4, "minute": 37}
